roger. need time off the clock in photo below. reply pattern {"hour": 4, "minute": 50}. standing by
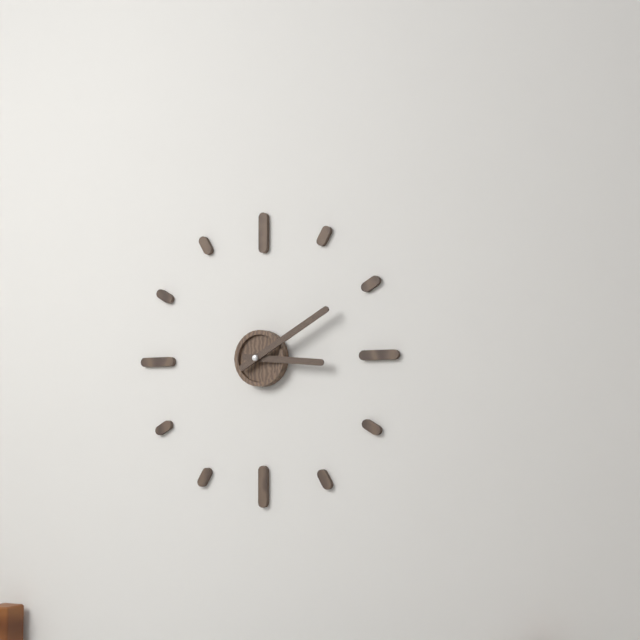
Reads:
{"hour": 3, "minute": 10}
